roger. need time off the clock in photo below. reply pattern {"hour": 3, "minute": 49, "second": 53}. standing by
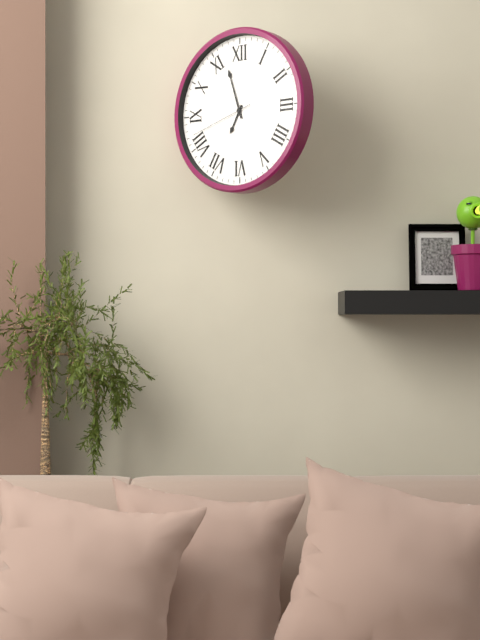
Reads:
{"hour": 6, "minute": 57, "second": 42}
